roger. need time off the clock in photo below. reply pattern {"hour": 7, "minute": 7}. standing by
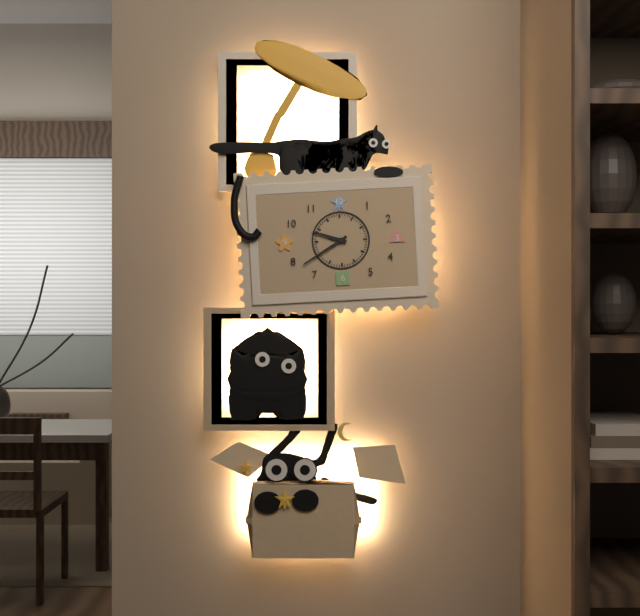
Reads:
{"hour": 9, "minute": 40}
